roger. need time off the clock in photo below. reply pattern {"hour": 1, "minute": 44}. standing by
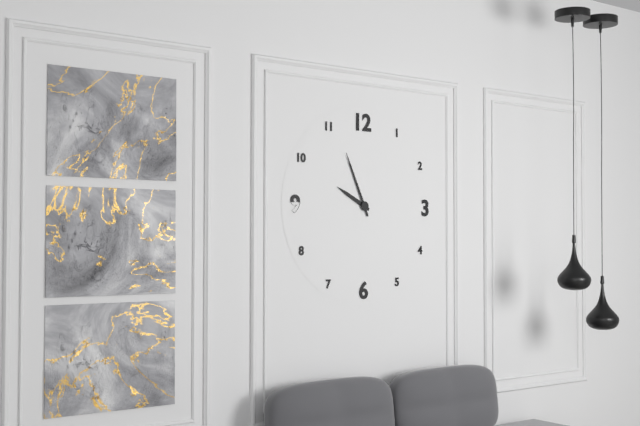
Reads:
{"hour": 9, "minute": 56}
